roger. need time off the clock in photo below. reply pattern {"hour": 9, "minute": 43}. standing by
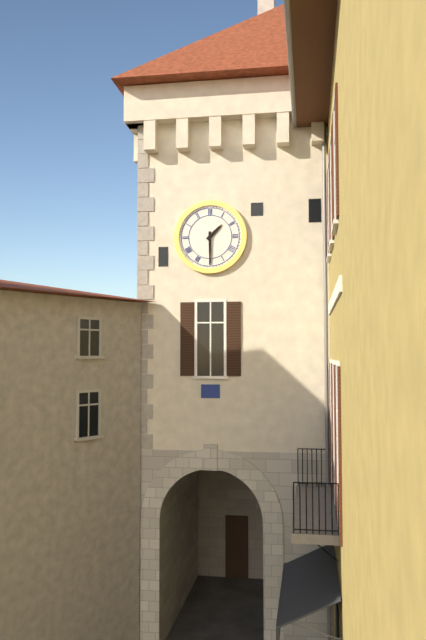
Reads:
{"hour": 1, "minute": 30}
